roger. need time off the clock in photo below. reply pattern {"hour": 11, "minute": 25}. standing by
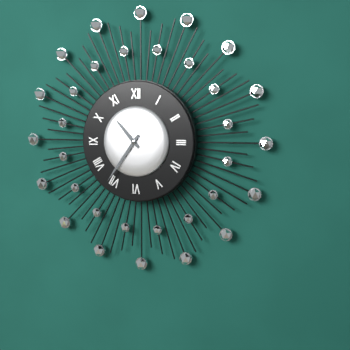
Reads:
{"hour": 10, "minute": 36}
